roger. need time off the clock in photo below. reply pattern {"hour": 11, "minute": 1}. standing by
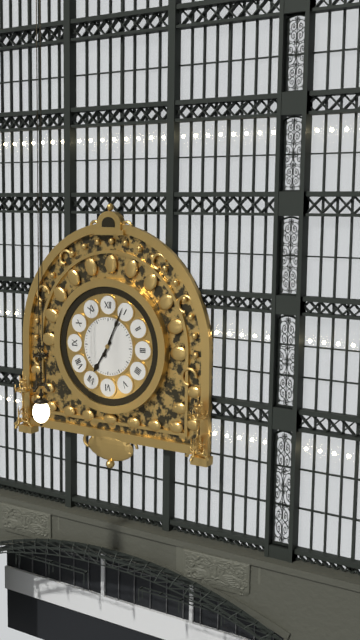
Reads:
{"hour": 7, "minute": 4}
